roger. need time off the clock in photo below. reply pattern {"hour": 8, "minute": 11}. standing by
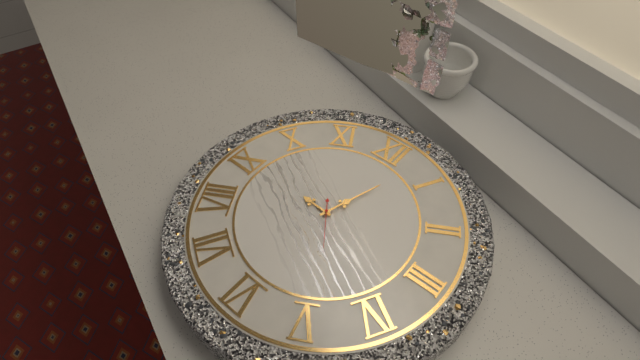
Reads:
{"hour": 9, "minute": 3}
